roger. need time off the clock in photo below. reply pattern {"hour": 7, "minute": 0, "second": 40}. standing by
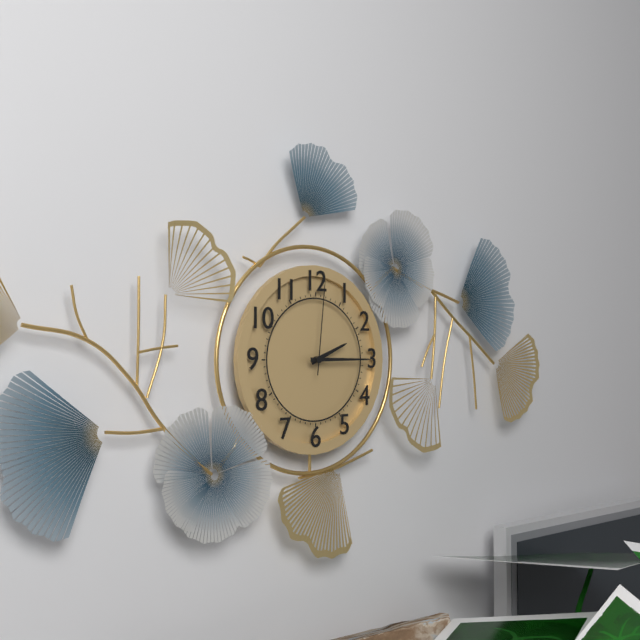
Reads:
{"hour": 2, "minute": 15, "second": 1}
